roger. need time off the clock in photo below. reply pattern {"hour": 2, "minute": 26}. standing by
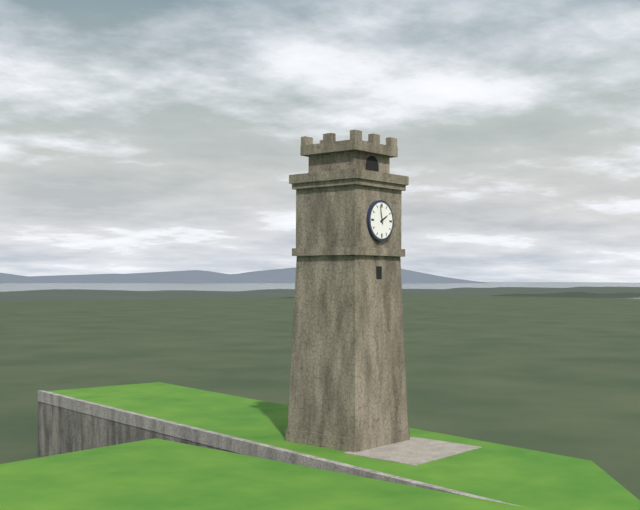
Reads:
{"hour": 1, "minute": 58}
